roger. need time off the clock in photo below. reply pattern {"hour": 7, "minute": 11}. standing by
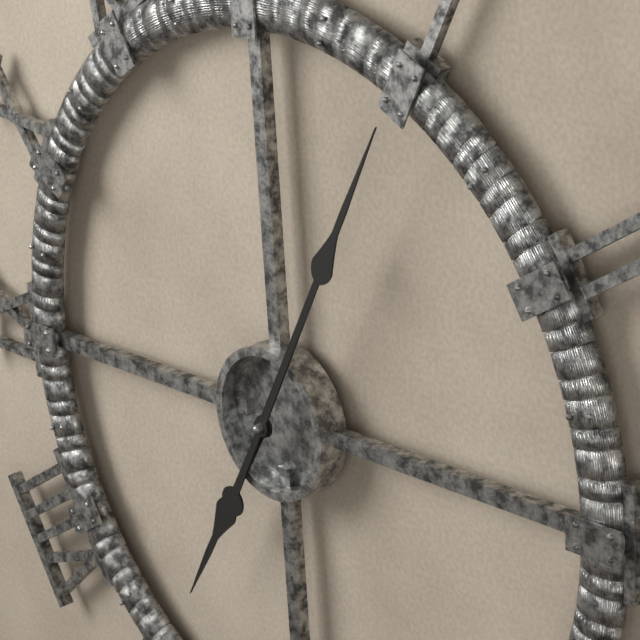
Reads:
{"hour": 7, "minute": 5}
